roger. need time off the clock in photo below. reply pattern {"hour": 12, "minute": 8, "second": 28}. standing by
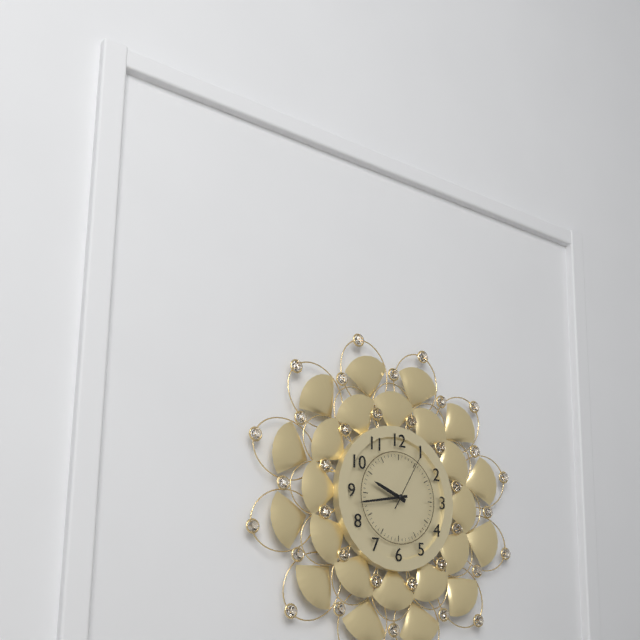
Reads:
{"hour": 9, "minute": 43, "second": 5}
